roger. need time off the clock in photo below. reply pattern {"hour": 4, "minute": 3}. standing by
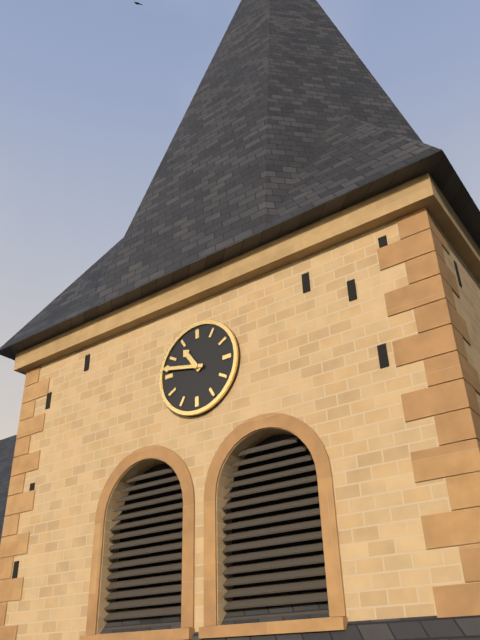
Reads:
{"hour": 10, "minute": 47}
